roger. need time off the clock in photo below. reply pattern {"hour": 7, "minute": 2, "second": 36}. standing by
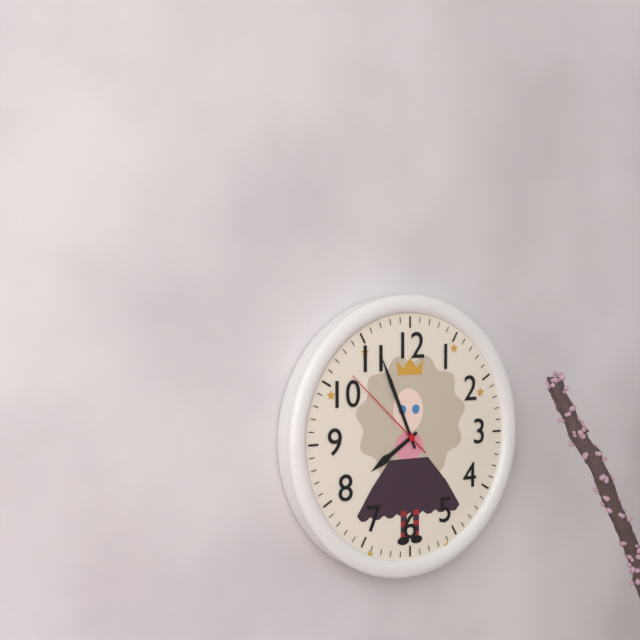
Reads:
{"hour": 7, "minute": 56, "second": 52}
